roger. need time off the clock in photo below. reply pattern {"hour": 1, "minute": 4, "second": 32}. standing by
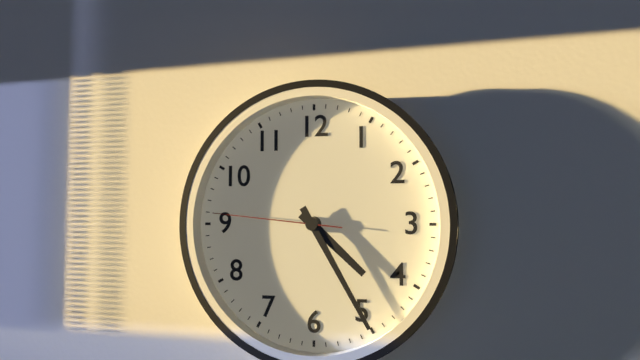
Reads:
{"hour": 4, "minute": 25, "second": 46}
